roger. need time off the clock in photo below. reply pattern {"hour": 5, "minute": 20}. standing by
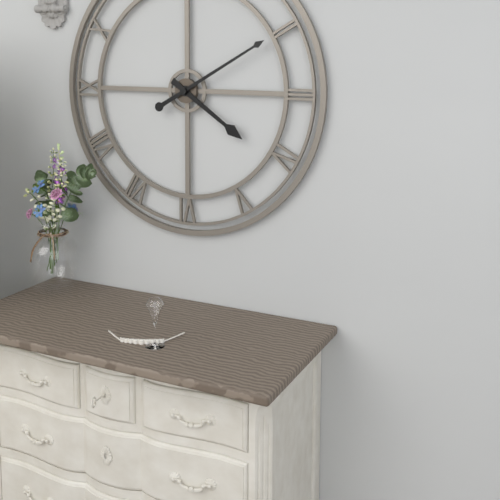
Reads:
{"hour": 4, "minute": 10}
